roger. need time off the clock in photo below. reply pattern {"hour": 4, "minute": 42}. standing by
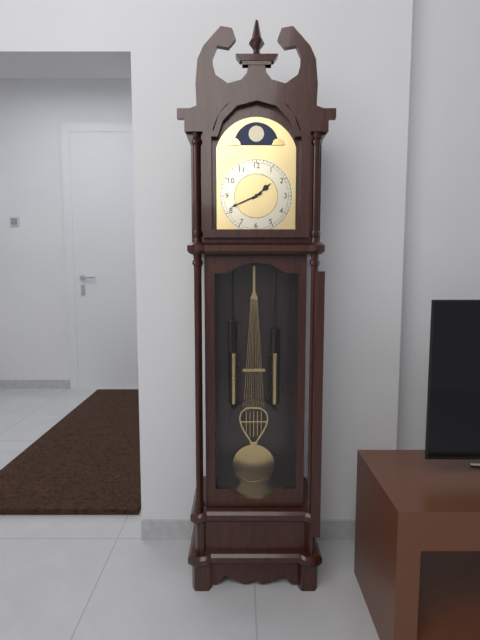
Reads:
{"hour": 1, "minute": 41}
